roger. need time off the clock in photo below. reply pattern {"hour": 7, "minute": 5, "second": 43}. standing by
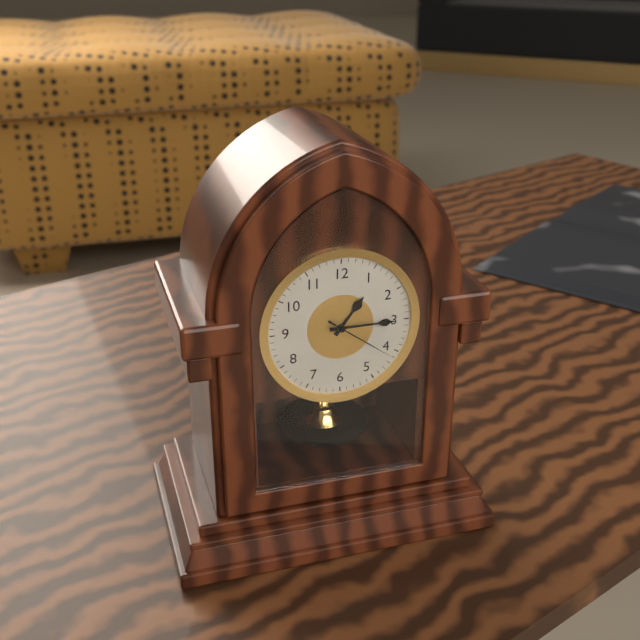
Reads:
{"hour": 1, "minute": 15, "second": 21}
